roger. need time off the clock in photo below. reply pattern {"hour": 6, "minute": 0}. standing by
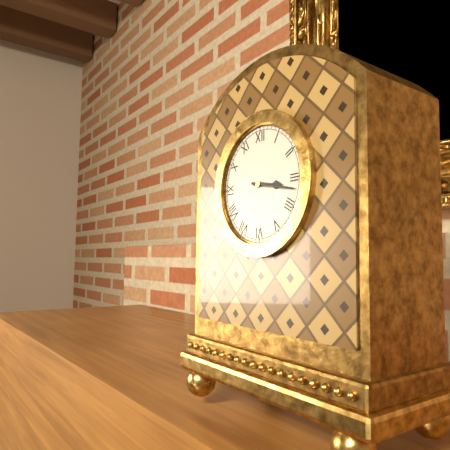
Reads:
{"hour": 3, "minute": 17}
